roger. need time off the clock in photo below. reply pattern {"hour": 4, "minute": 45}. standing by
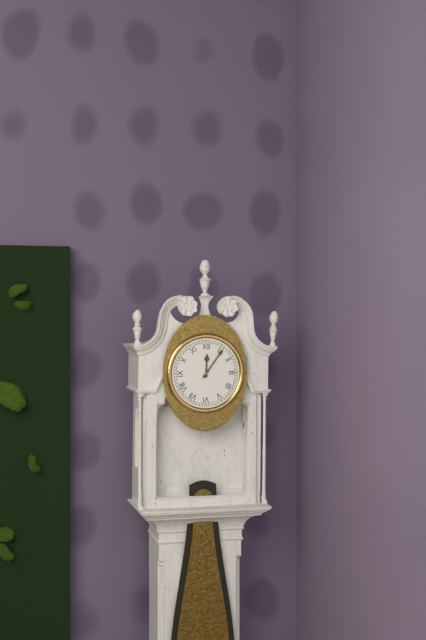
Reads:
{"hour": 12, "minute": 6}
